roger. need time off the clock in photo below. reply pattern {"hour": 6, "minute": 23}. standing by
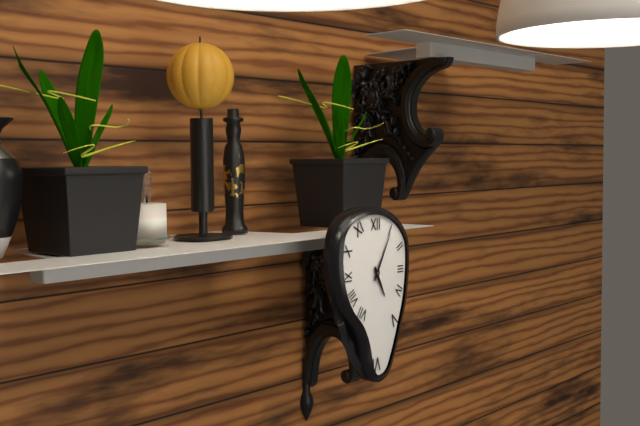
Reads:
{"hour": 5, "minute": 5}
